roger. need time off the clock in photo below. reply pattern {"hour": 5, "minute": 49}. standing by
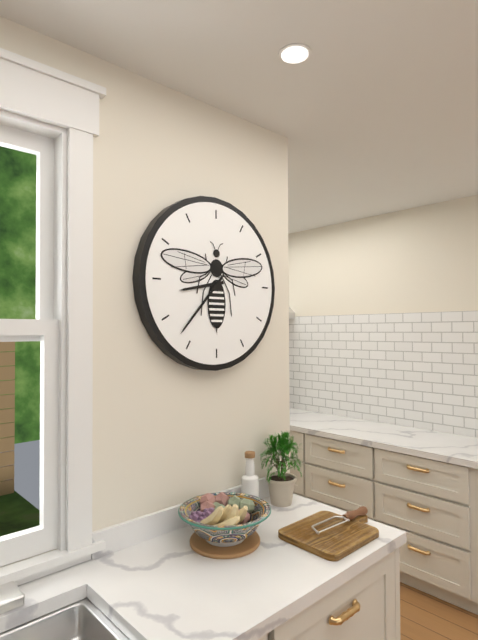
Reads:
{"hour": 8, "minute": 37}
